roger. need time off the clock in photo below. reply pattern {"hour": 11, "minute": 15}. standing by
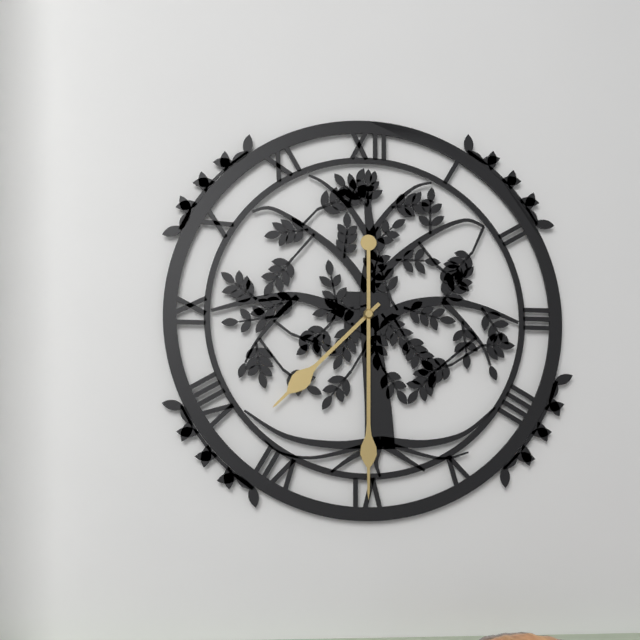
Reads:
{"hour": 7, "minute": 30}
